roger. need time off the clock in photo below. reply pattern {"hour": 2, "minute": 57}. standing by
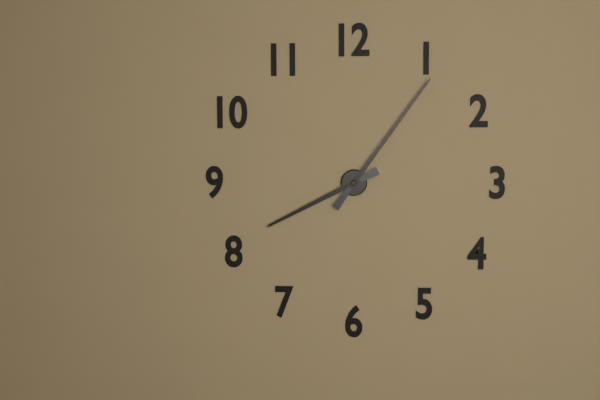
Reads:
{"hour": 8, "minute": 6}
